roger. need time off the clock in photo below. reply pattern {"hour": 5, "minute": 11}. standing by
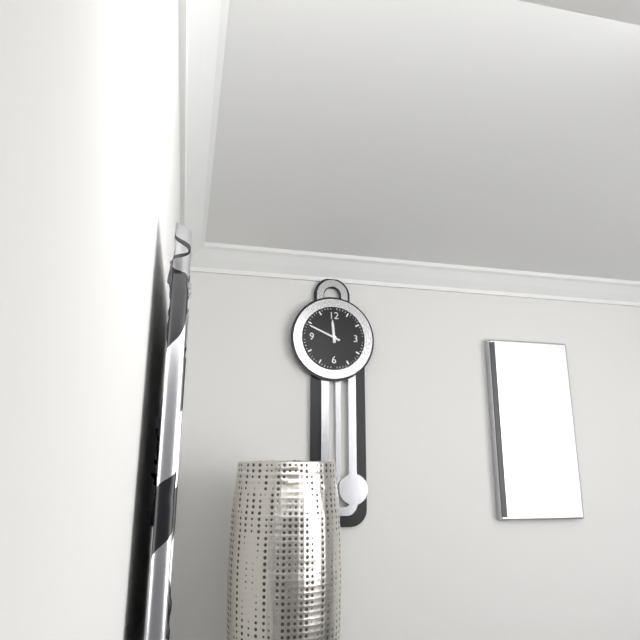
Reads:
{"hour": 11, "minute": 49}
